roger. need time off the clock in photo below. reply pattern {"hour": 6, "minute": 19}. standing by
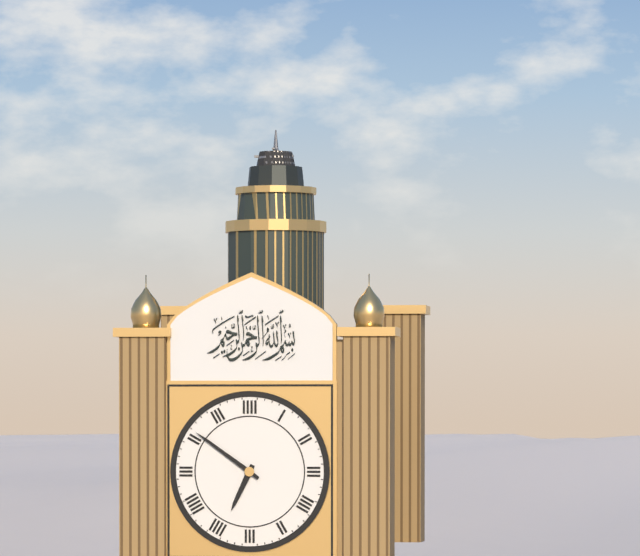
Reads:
{"hour": 6, "minute": 51}
